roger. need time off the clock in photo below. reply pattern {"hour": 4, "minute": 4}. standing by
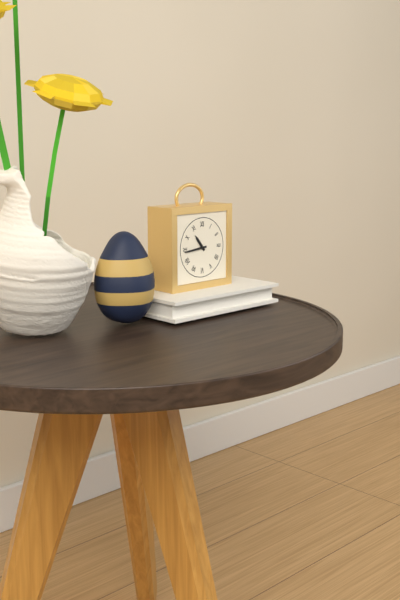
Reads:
{"hour": 10, "minute": 44}
